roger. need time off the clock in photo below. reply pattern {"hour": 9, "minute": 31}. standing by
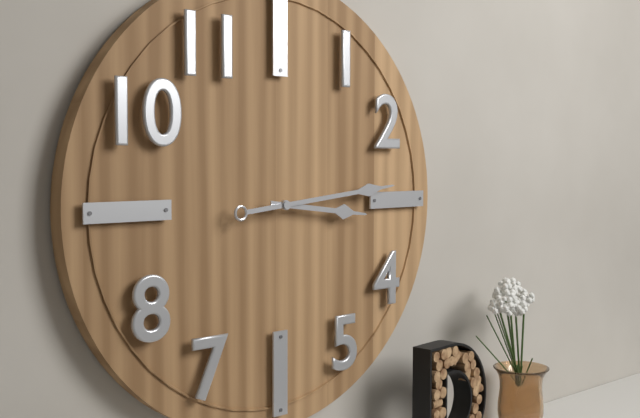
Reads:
{"hour": 3, "minute": 14}
